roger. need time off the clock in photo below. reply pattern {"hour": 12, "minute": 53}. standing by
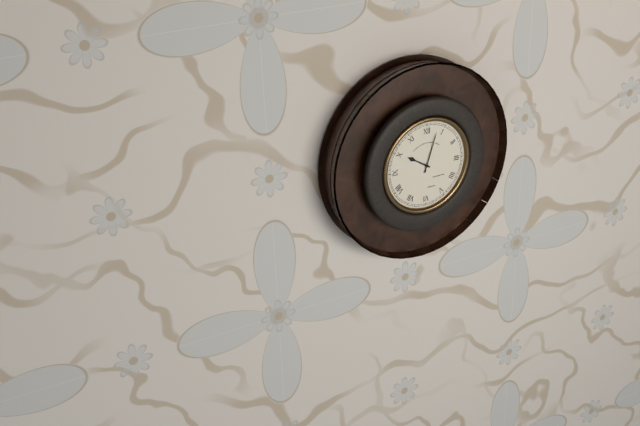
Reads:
{"hour": 10, "minute": 3}
